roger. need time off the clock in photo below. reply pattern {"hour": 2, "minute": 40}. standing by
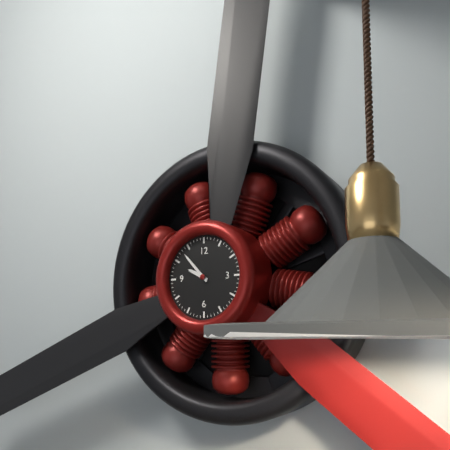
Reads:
{"hour": 9, "minute": 53}
